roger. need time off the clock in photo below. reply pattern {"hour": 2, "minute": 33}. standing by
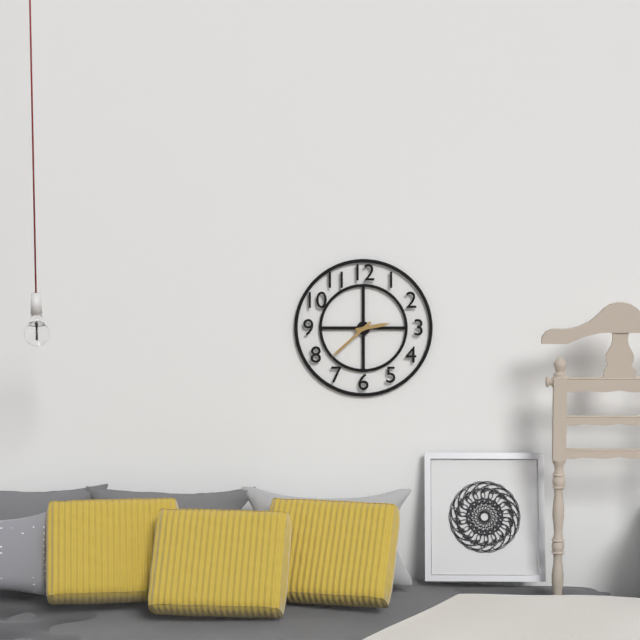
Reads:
{"hour": 2, "minute": 38}
